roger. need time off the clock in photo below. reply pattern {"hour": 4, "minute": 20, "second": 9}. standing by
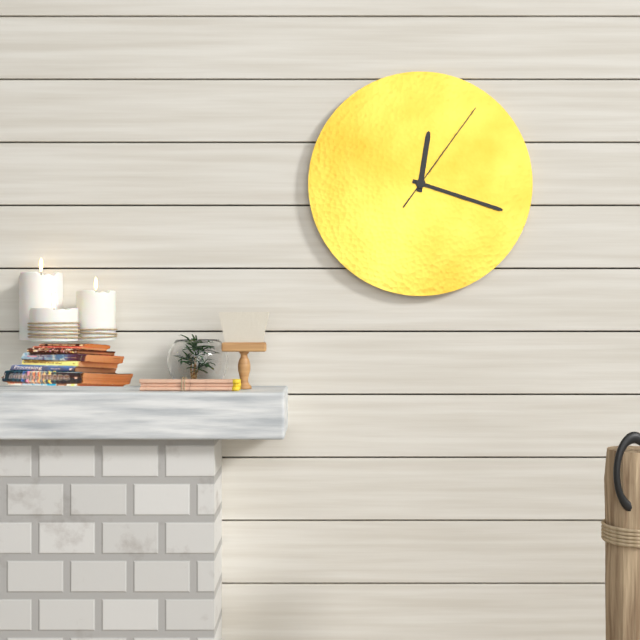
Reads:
{"hour": 12, "minute": 18, "second": 6}
